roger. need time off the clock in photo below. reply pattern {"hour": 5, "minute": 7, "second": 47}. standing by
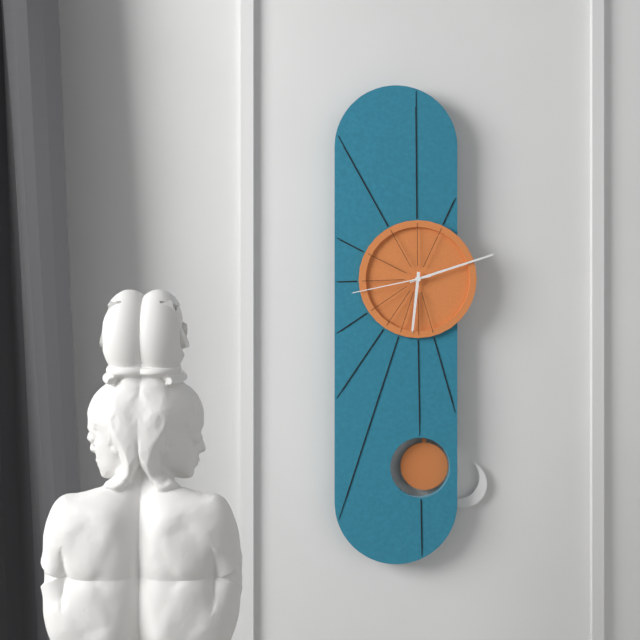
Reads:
{"hour": 6, "minute": 12, "second": 43}
